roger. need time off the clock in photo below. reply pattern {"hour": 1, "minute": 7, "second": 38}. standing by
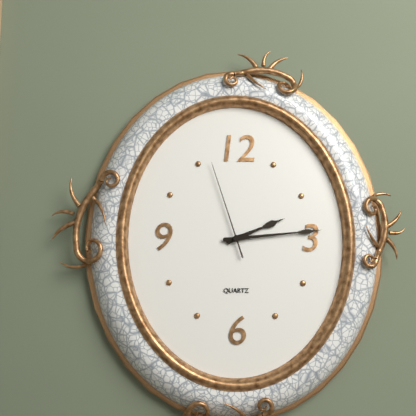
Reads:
{"hour": 2, "minute": 14, "second": 57}
